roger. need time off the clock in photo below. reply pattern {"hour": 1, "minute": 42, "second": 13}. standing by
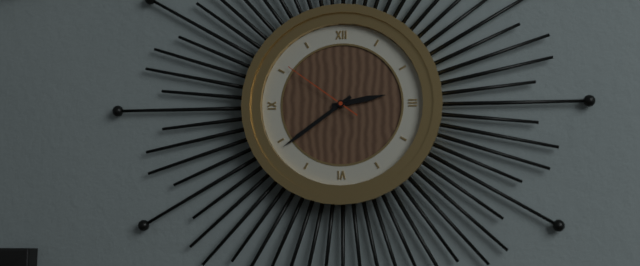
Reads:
{"hour": 2, "minute": 39, "second": 51}
